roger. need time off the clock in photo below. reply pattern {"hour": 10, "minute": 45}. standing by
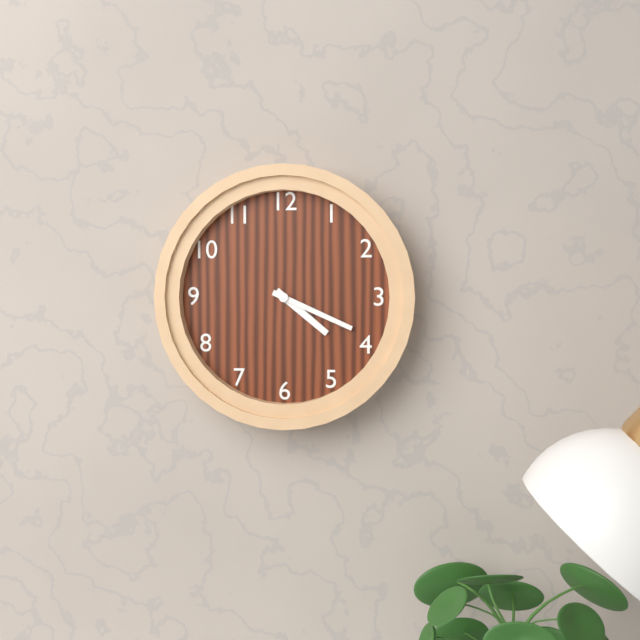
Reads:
{"hour": 4, "minute": 19}
